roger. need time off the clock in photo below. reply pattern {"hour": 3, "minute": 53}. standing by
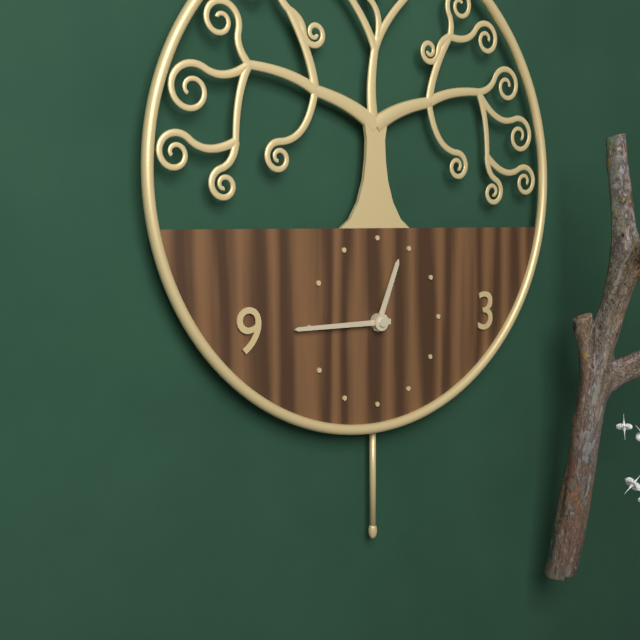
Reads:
{"hour": 12, "minute": 45}
